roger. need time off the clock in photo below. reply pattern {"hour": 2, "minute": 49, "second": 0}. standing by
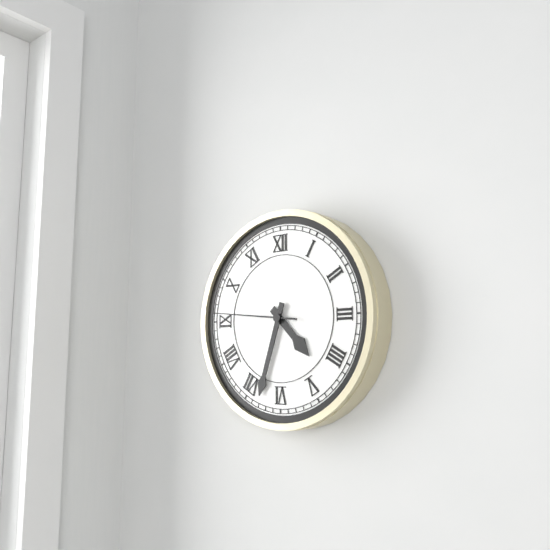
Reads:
{"hour": 4, "minute": 33, "second": 46}
